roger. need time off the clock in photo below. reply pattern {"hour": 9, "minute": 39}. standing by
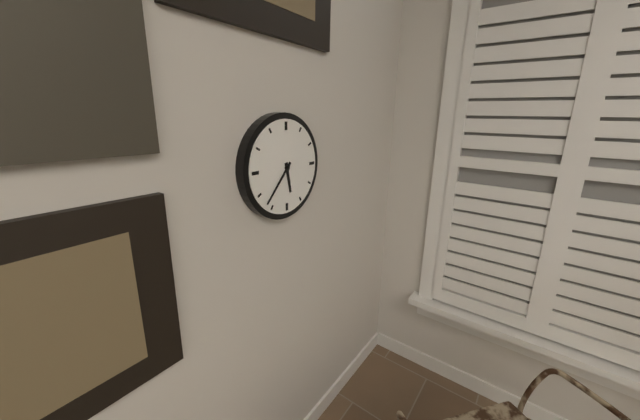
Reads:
{"hour": 5, "minute": 37}
